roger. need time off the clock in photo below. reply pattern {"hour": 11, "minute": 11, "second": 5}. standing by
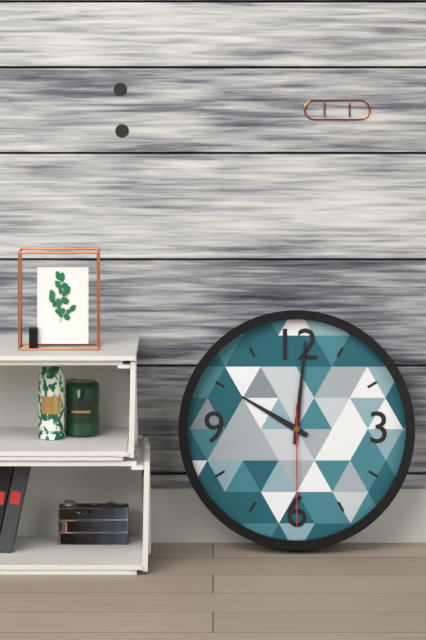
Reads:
{"hour": 10, "minute": 1, "second": 30}
